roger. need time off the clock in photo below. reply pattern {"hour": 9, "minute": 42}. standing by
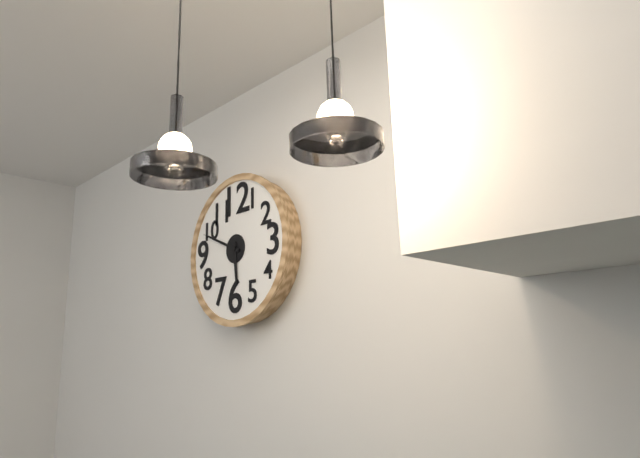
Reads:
{"hour": 5, "minute": 49}
